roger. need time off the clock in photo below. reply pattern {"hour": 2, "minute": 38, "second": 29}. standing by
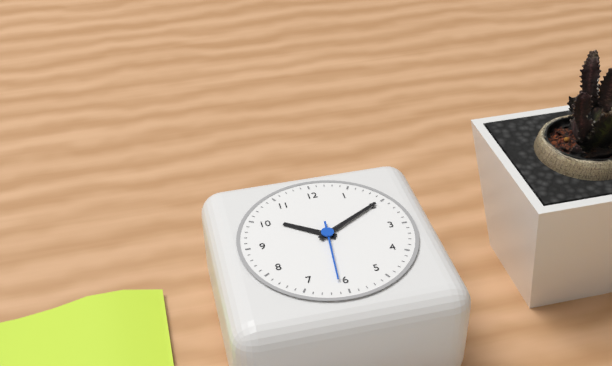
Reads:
{"hour": 10, "minute": 10, "second": 31}
